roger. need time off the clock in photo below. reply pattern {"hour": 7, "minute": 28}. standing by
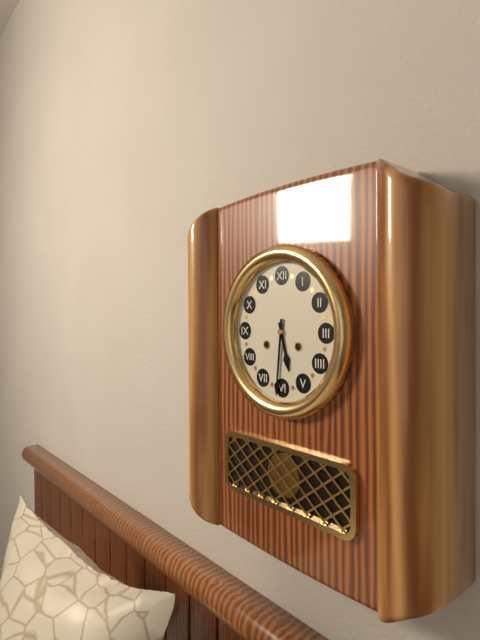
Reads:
{"hour": 5, "minute": 31}
